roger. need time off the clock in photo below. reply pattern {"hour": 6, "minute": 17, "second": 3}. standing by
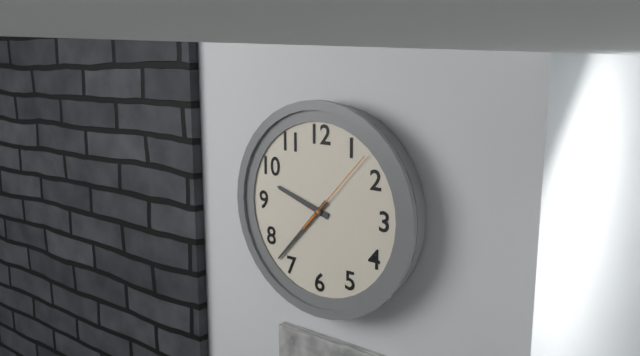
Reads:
{"hour": 9, "minute": 37, "second": 7}
